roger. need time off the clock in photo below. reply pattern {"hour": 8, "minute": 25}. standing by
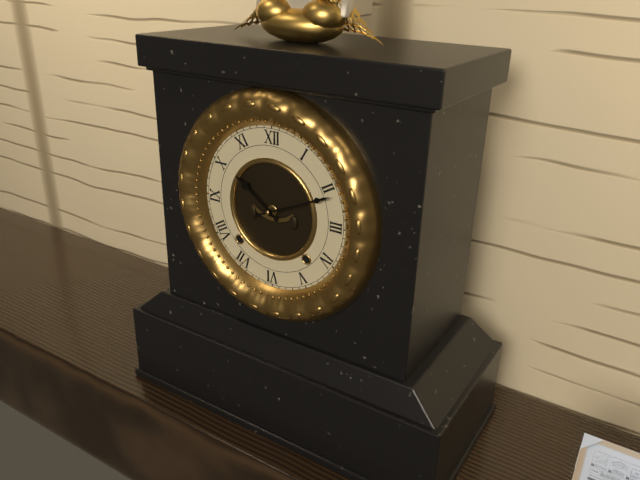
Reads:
{"hour": 10, "minute": 11}
